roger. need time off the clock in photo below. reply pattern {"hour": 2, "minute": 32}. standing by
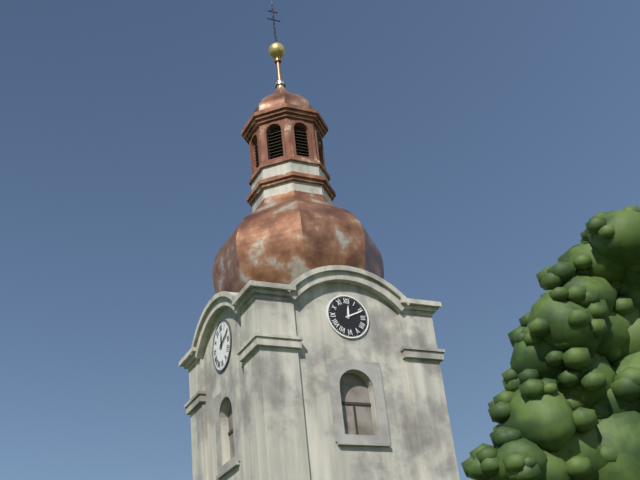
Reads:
{"hour": 12, "minute": 11}
